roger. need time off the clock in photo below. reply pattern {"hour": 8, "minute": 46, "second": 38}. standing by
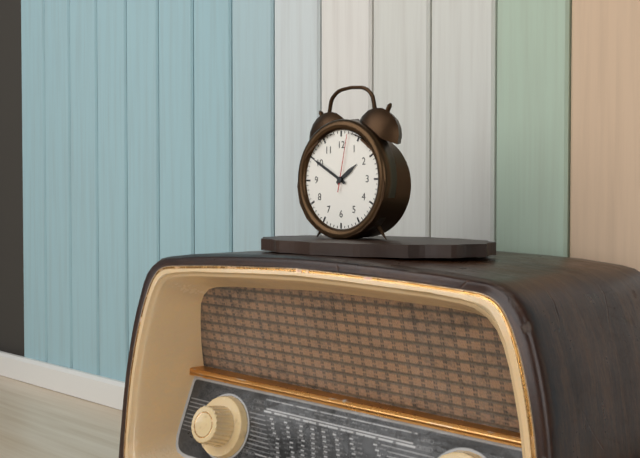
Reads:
{"hour": 1, "minute": 50, "second": 2}
